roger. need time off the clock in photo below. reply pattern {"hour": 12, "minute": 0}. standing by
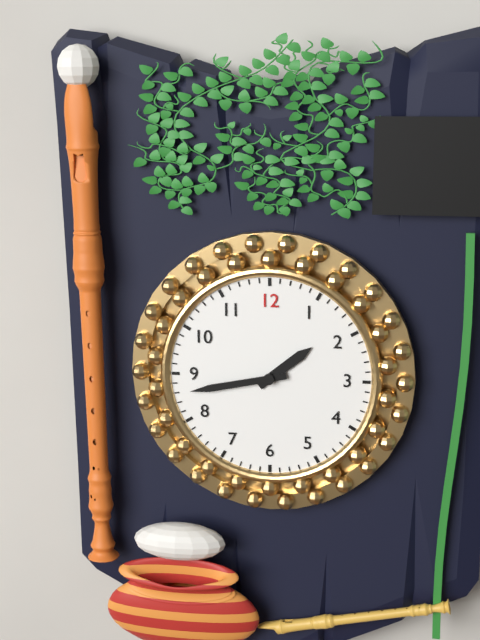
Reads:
{"hour": 1, "minute": 43}
